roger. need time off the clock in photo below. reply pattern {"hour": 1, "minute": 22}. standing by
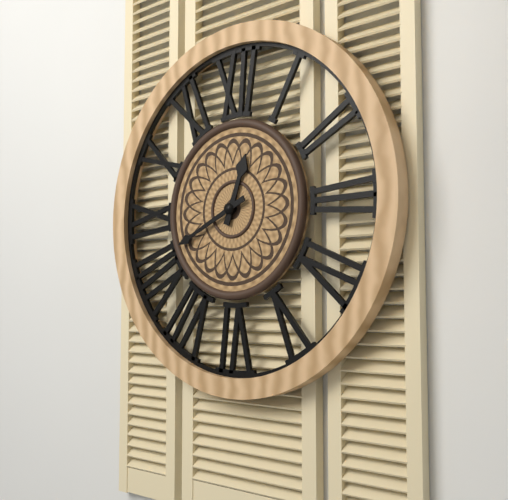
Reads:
{"hour": 12, "minute": 41}
